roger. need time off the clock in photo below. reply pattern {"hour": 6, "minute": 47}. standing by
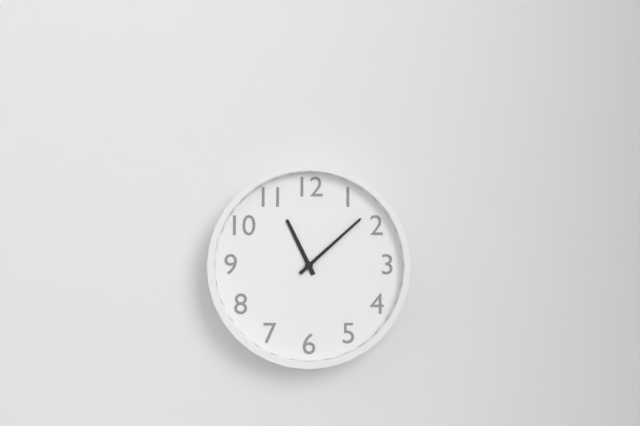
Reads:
{"hour": 11, "minute": 8}
